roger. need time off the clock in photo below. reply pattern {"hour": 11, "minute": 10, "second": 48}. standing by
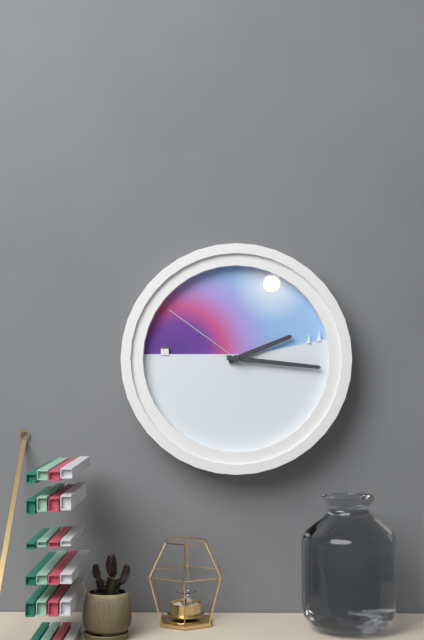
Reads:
{"hour": 2, "minute": 16, "second": 51}
